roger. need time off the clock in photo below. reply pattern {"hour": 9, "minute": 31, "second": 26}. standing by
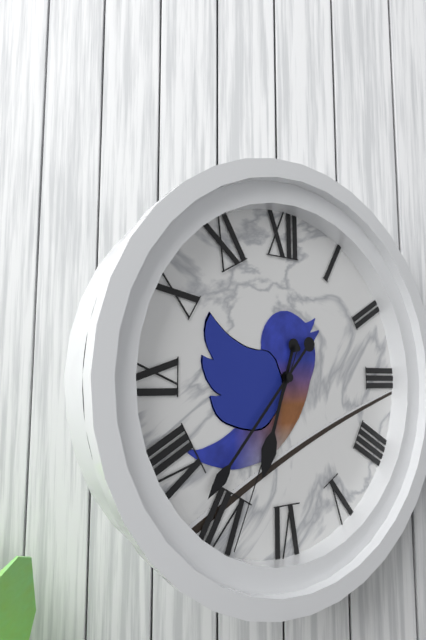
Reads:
{"hour": 6, "minute": 37, "second": 34}
